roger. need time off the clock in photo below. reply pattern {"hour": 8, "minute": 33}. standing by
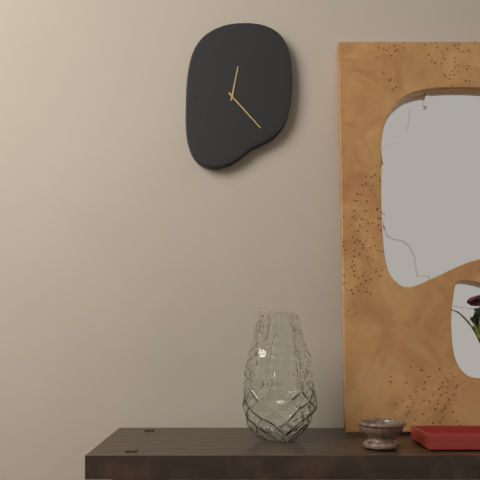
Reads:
{"hour": 12, "minute": 23}
